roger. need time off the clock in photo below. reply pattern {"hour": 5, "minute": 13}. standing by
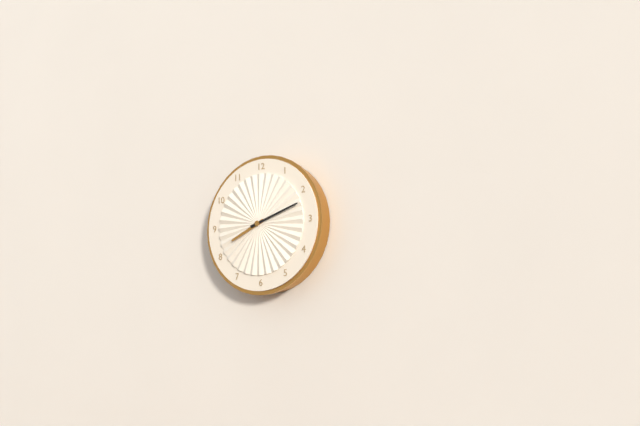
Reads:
{"hour": 8, "minute": 12}
